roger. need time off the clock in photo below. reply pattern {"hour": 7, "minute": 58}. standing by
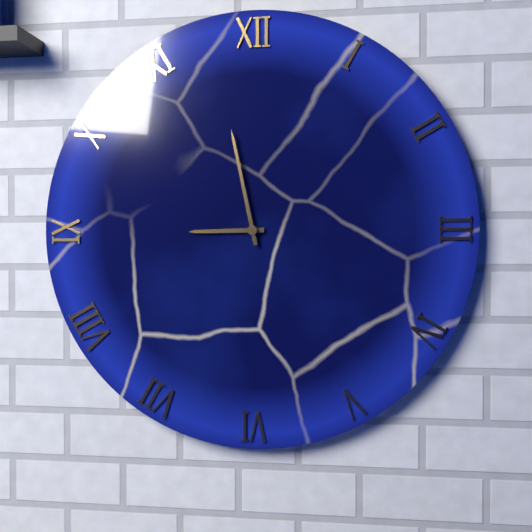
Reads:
{"hour": 8, "minute": 58}
